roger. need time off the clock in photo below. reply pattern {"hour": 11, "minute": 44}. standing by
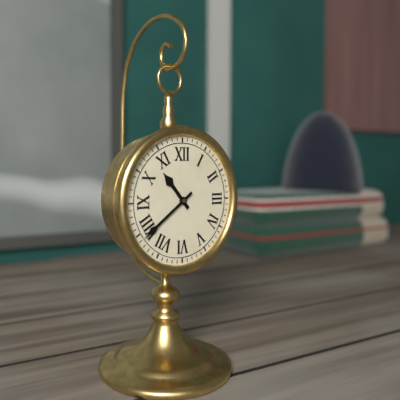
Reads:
{"hour": 10, "minute": 39}
